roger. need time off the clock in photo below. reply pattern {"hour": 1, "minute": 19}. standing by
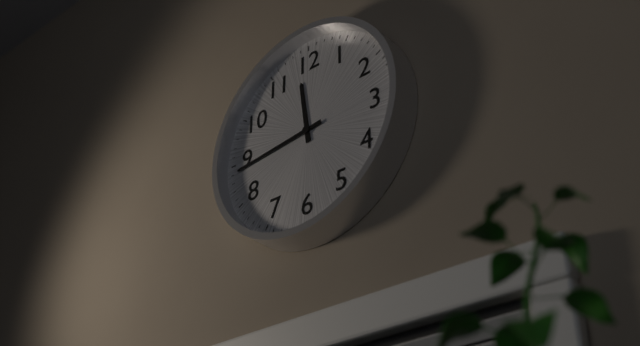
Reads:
{"hour": 11, "minute": 44}
